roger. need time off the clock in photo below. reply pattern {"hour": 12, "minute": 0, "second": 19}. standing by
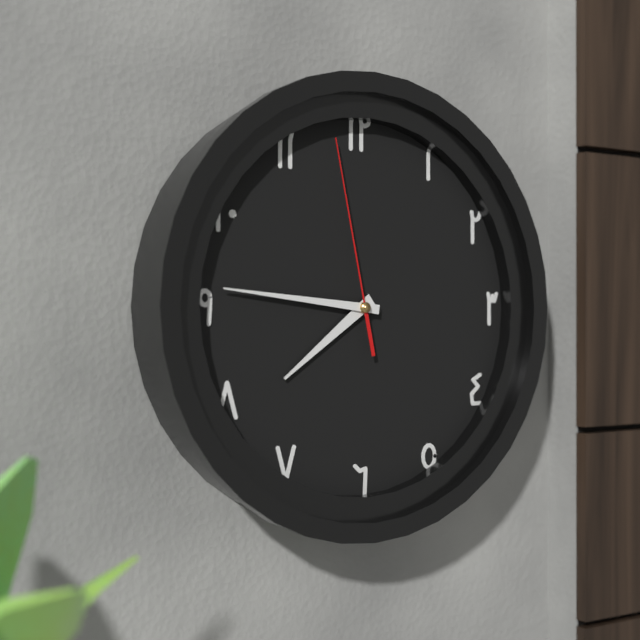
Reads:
{"hour": 7, "minute": 46, "second": 58}
